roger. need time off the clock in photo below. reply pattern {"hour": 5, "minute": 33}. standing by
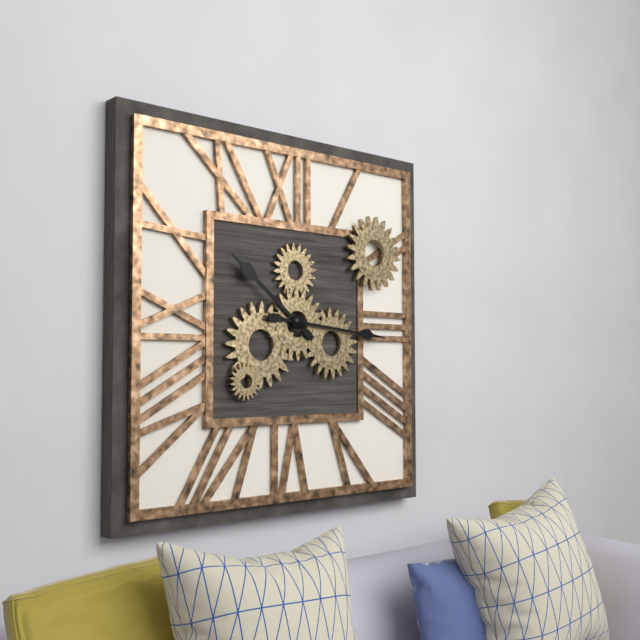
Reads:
{"hour": 10, "minute": 16}
